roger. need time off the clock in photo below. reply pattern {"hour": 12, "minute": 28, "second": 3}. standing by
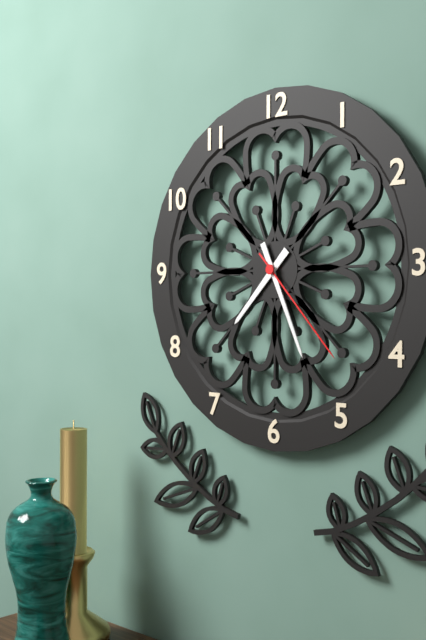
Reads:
{"hour": 7, "minute": 26, "second": 23}
